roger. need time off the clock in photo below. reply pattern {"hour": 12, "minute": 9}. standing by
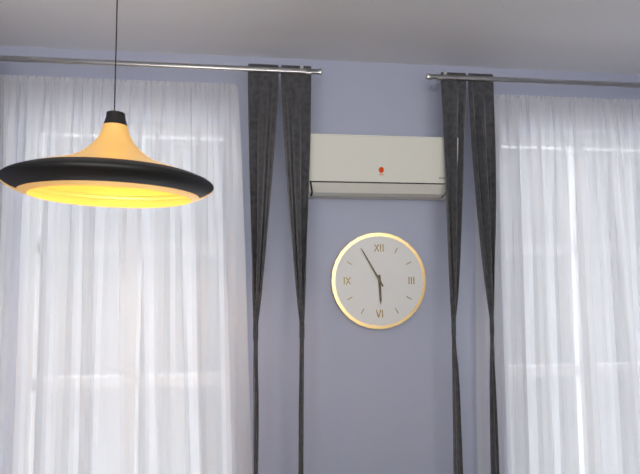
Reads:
{"hour": 5, "minute": 55}
